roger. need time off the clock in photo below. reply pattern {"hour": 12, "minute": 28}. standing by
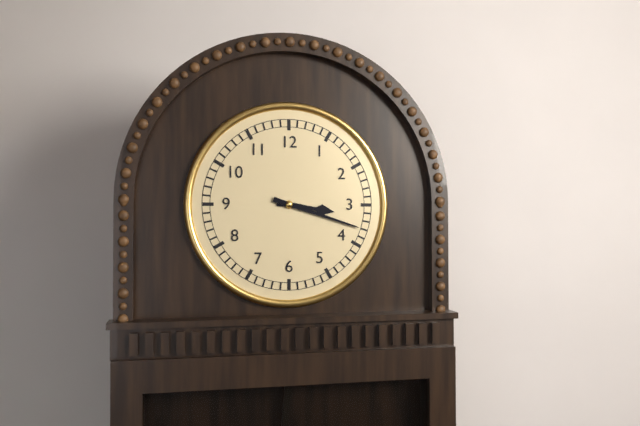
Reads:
{"hour": 3, "minute": 18}
